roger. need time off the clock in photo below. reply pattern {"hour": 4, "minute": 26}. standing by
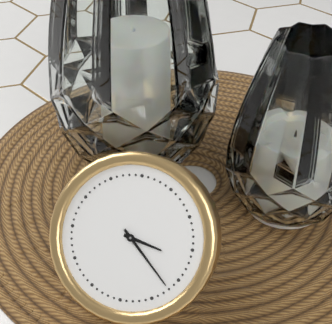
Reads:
{"hour": 3, "minute": 22}
